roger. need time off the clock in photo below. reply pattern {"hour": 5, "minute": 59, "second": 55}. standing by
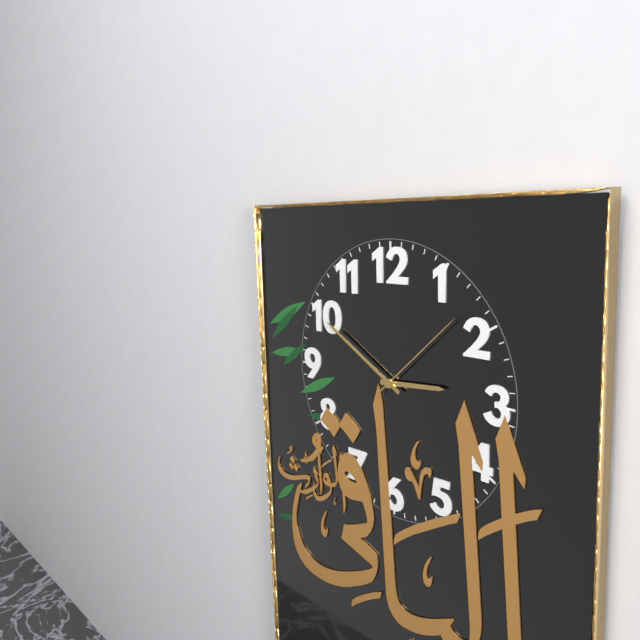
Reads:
{"hour": 2, "minute": 50, "second": 8}
